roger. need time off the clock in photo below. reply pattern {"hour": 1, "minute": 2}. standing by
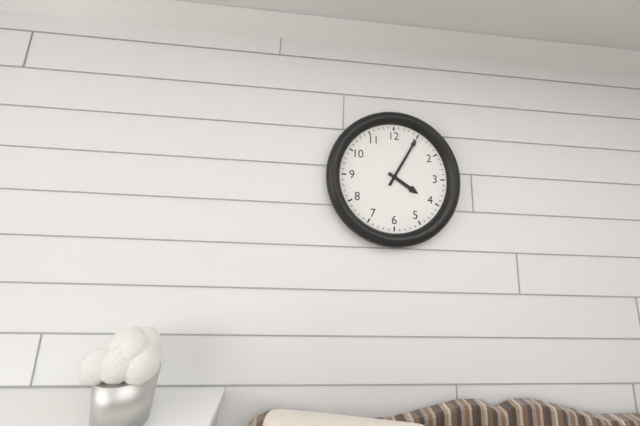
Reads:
{"hour": 4, "minute": 5}
